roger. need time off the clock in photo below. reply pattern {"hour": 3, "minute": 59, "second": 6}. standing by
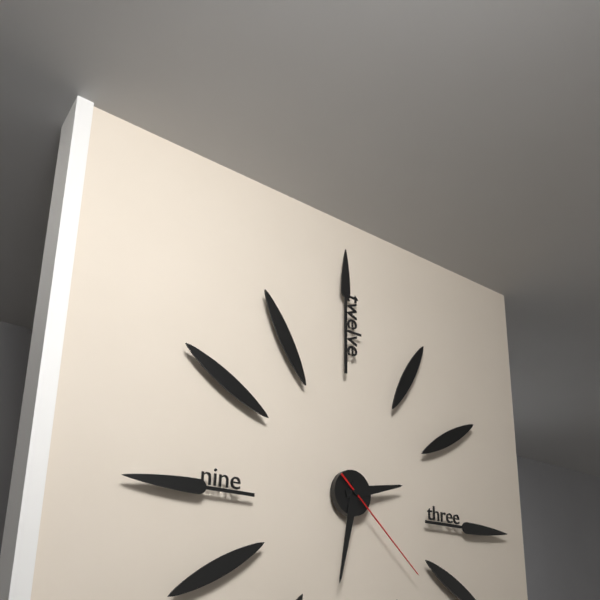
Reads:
{"hour": 2, "minute": 32, "second": 22}
